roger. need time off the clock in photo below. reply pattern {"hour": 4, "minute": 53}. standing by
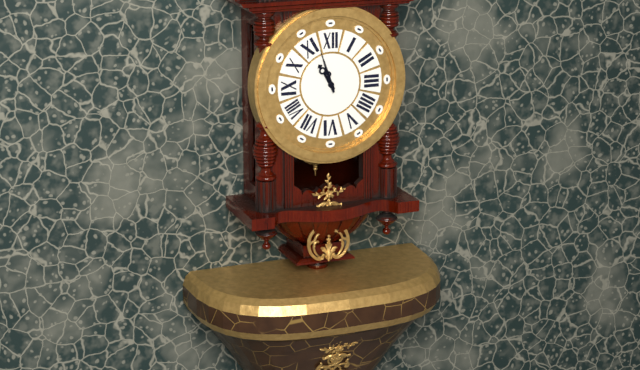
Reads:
{"hour": 10, "minute": 57}
